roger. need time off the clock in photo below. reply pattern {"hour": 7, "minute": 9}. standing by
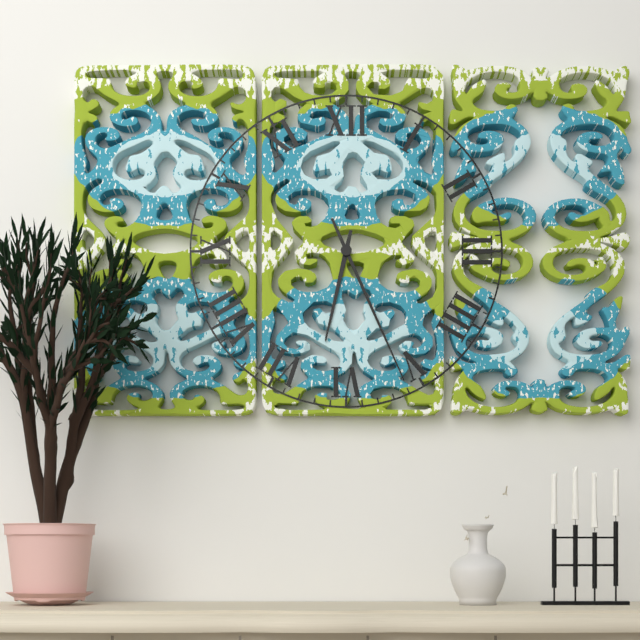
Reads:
{"hour": 6, "minute": 26}
